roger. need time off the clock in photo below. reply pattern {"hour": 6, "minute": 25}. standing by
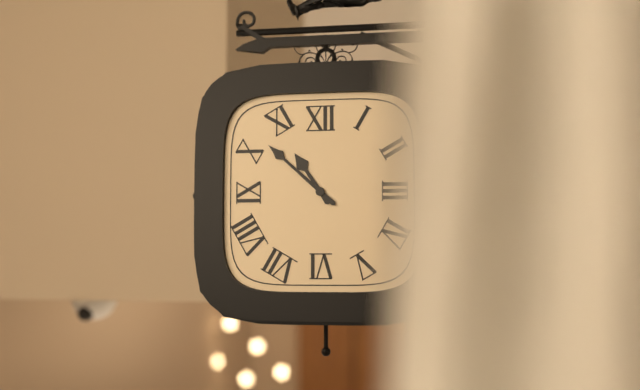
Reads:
{"hour": 10, "minute": 52}
